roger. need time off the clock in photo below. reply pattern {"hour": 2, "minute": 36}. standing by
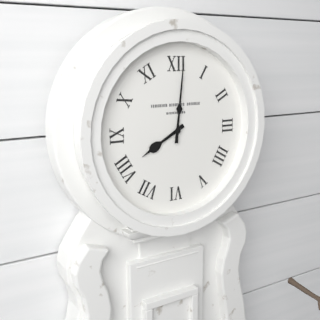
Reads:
{"hour": 8, "minute": 1}
